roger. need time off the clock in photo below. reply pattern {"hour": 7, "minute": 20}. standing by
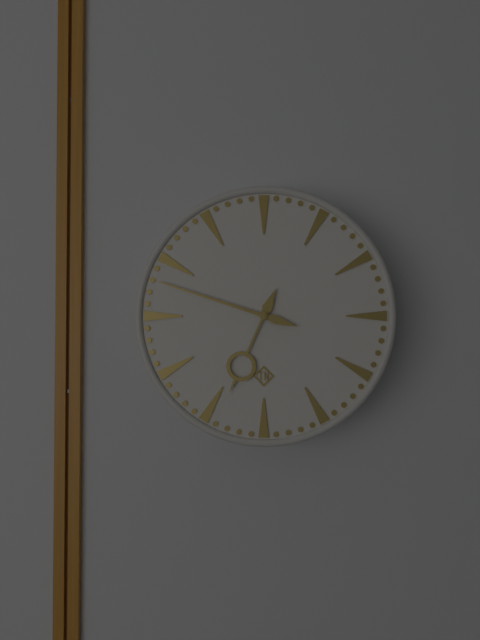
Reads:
{"hour": 6, "minute": 48}
